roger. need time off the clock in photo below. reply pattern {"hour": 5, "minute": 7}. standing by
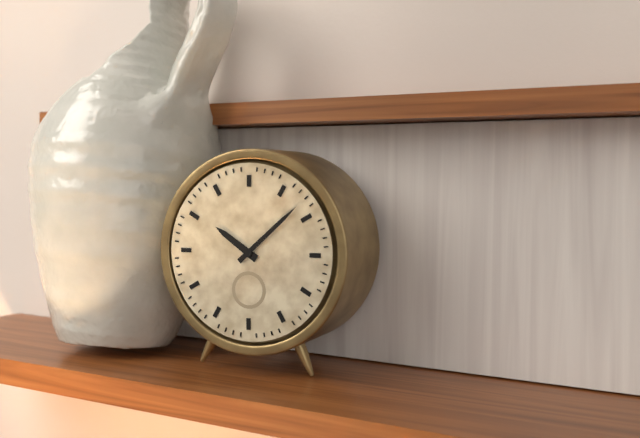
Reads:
{"hour": 10, "minute": 8}
